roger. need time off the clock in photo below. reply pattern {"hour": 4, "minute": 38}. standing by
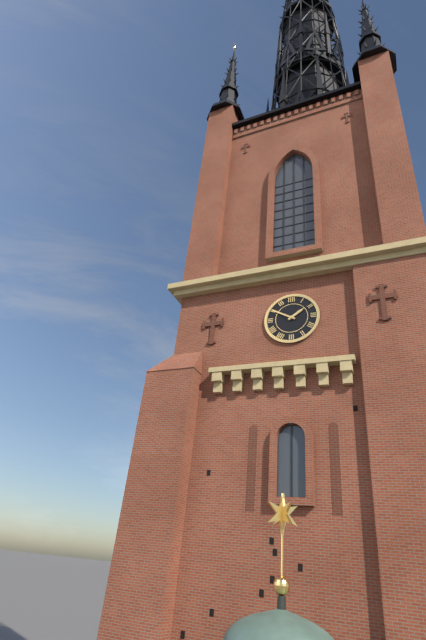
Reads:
{"hour": 1, "minute": 50}
